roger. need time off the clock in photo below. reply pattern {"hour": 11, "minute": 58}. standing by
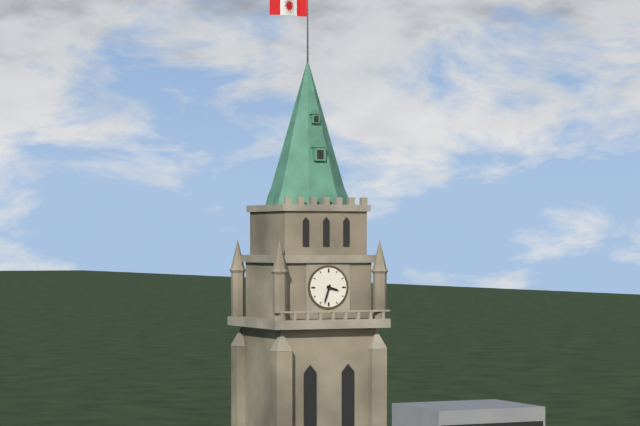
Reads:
{"hour": 3, "minute": 33}
